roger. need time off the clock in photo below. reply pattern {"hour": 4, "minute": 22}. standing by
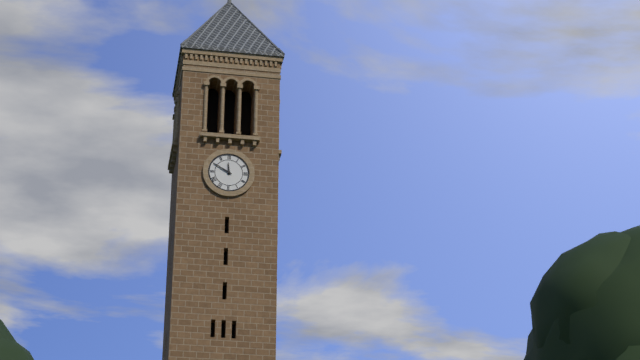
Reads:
{"hour": 11, "minute": 50}
